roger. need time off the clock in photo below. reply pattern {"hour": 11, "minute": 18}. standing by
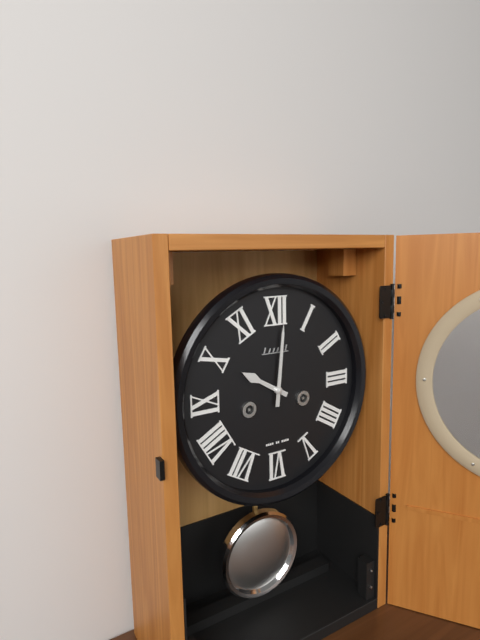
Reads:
{"hour": 10, "minute": 1}
